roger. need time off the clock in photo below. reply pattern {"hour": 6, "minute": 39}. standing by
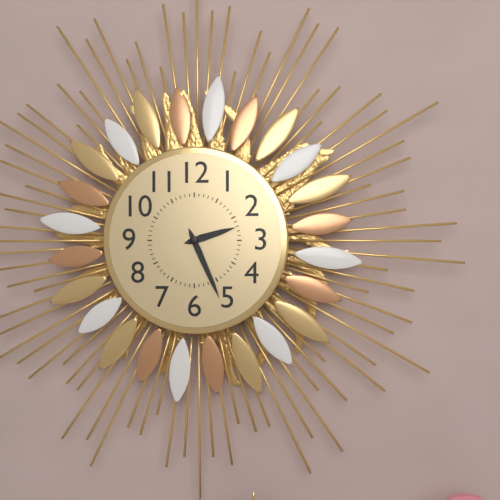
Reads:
{"hour": 2, "minute": 26}
